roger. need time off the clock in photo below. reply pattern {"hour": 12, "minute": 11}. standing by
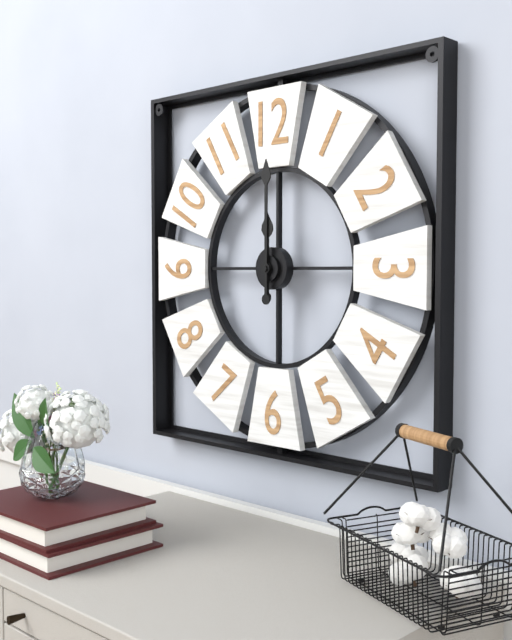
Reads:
{"hour": 12, "minute": 0}
